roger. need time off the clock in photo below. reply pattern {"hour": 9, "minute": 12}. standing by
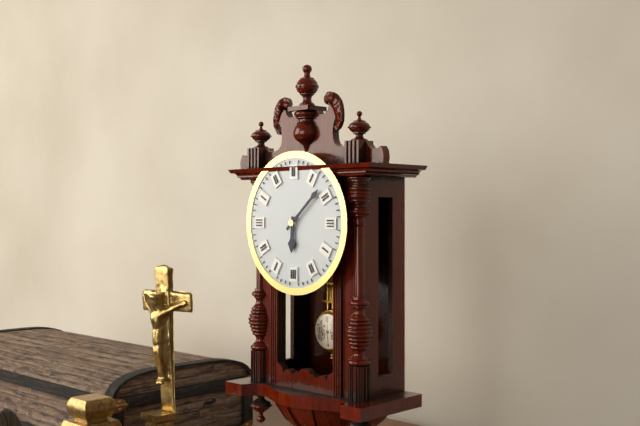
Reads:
{"hour": 6, "minute": 8}
